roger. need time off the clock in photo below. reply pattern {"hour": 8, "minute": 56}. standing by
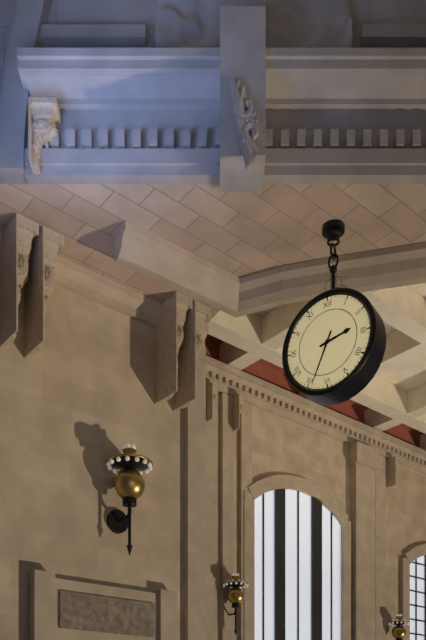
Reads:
{"hour": 2, "minute": 34}
